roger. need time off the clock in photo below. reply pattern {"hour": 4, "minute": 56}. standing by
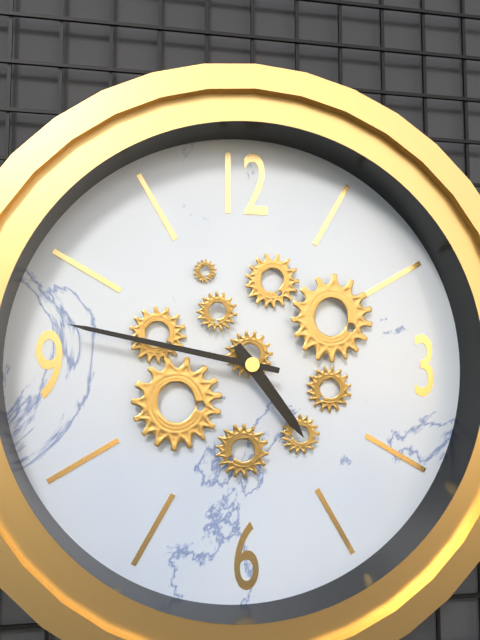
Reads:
{"hour": 4, "minute": 47}
